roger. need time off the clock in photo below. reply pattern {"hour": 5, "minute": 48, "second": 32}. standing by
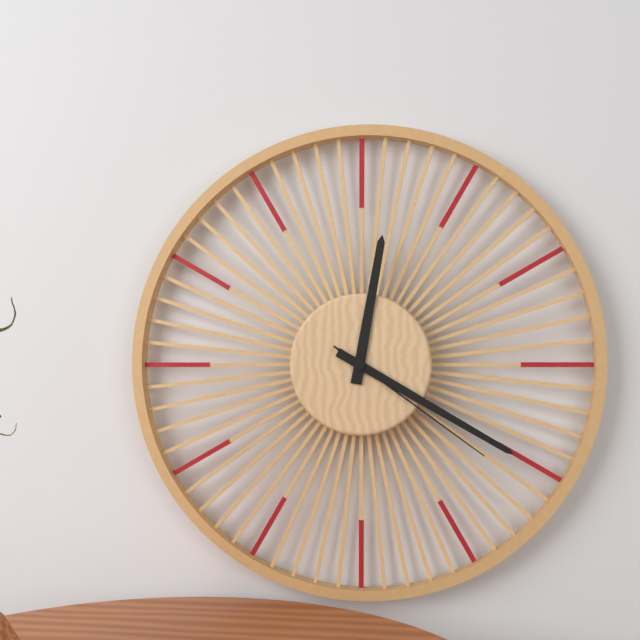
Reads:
{"hour": 12, "minute": 20, "second": 21}
